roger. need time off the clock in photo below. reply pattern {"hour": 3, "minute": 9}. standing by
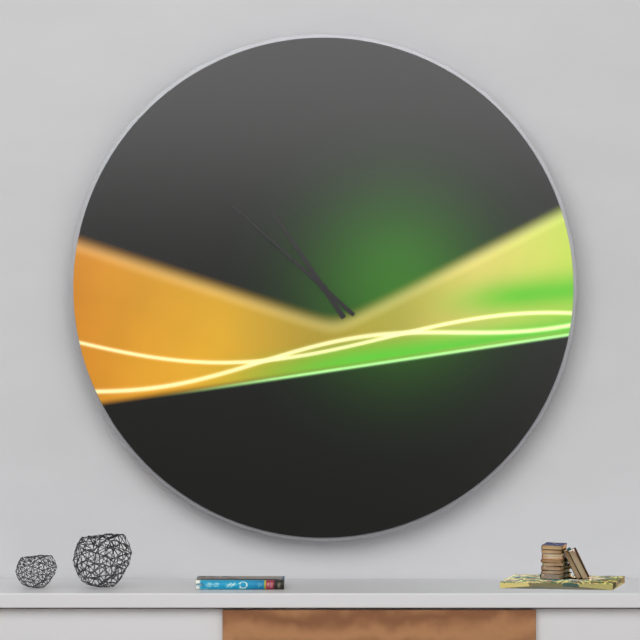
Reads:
{"hour": 10, "minute": 52}
